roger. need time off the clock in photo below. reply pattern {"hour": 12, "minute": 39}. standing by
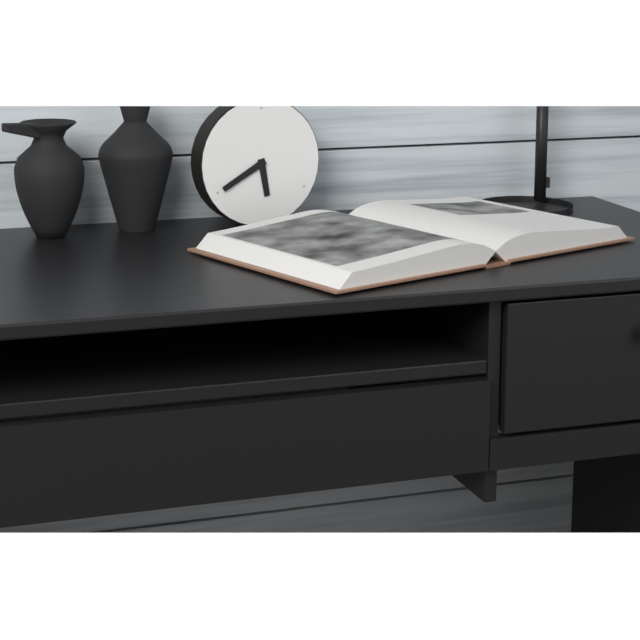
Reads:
{"hour": 5, "minute": 40}
